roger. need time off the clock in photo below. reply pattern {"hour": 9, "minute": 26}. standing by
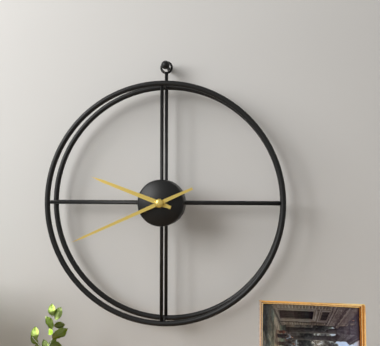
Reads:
{"hour": 9, "minute": 41}
